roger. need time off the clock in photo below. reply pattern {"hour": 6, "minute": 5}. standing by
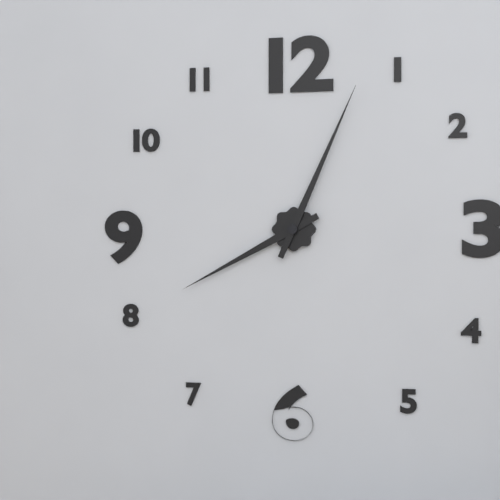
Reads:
{"hour": 8, "minute": 4}
